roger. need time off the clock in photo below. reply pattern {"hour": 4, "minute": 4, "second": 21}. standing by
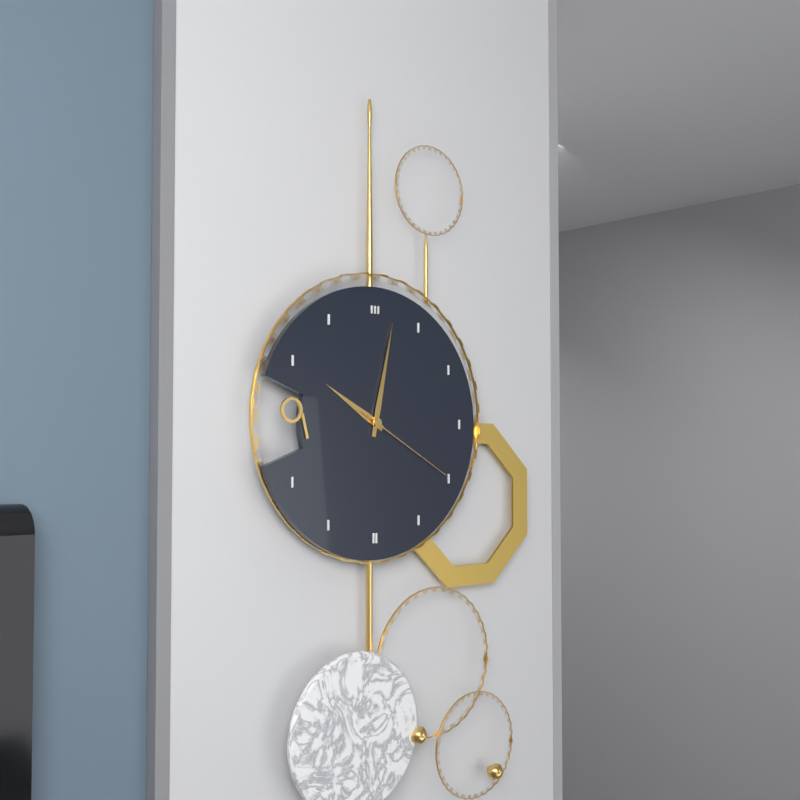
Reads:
{"hour": 10, "minute": 2, "second": 20}
